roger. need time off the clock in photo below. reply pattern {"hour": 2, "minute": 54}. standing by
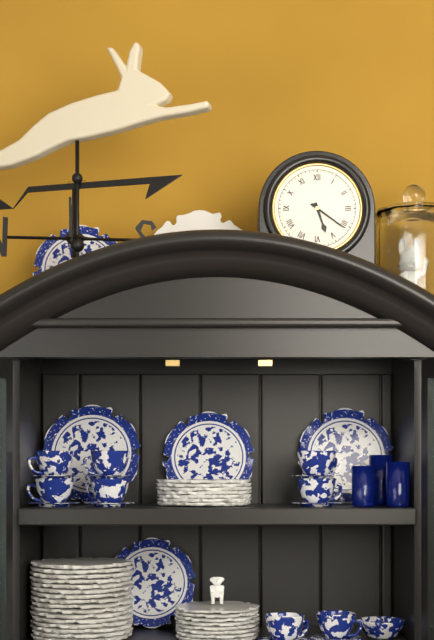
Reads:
{"hour": 5, "minute": 21}
